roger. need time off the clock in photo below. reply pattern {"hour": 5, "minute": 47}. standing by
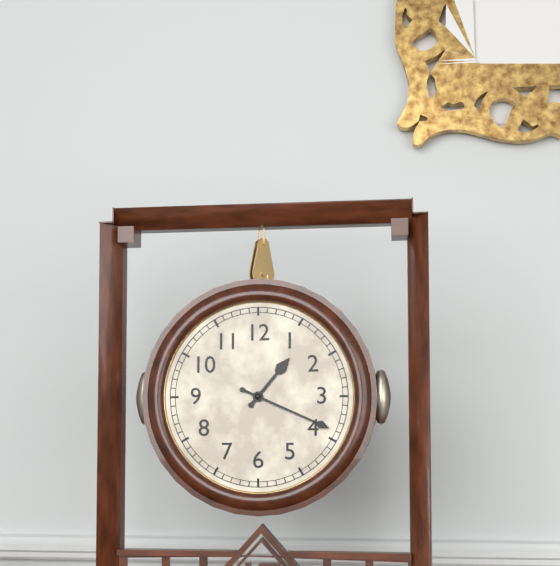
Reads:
{"hour": 1, "minute": 19}
